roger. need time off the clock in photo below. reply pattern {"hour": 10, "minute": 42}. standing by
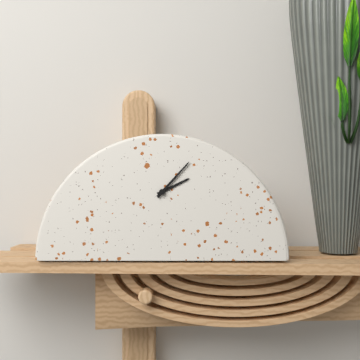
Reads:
{"hour": 2, "minute": 7}
